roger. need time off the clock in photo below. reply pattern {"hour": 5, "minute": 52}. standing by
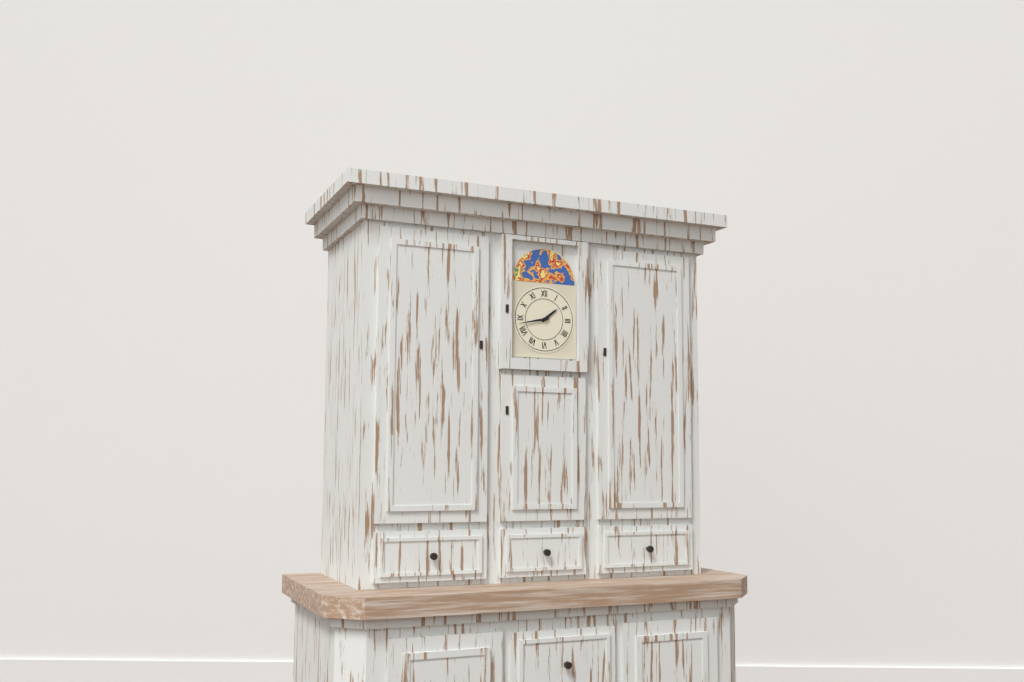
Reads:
{"hour": 1, "minute": 43}
